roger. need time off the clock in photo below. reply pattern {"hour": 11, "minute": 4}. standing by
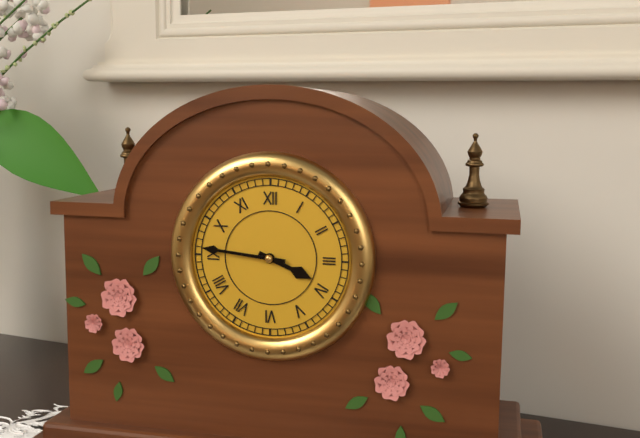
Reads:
{"hour": 3, "minute": 46}
